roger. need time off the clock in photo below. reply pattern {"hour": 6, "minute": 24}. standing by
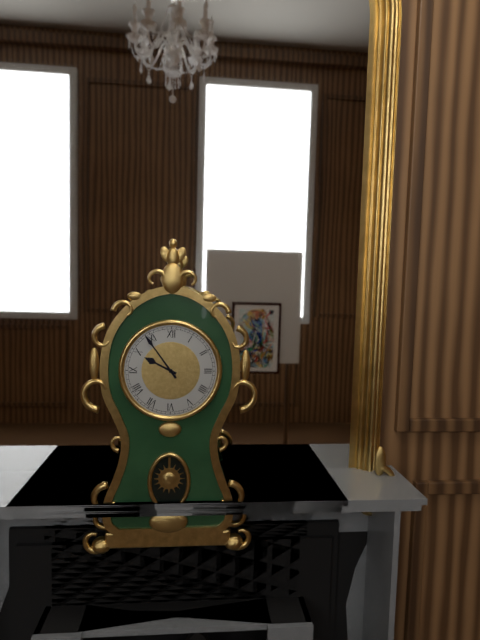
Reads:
{"hour": 9, "minute": 54}
